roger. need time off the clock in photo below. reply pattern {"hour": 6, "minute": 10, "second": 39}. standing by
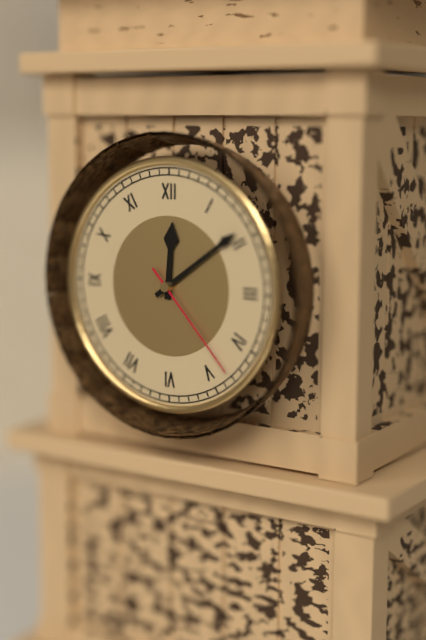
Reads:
{"hour": 12, "minute": 9, "second": 23}
